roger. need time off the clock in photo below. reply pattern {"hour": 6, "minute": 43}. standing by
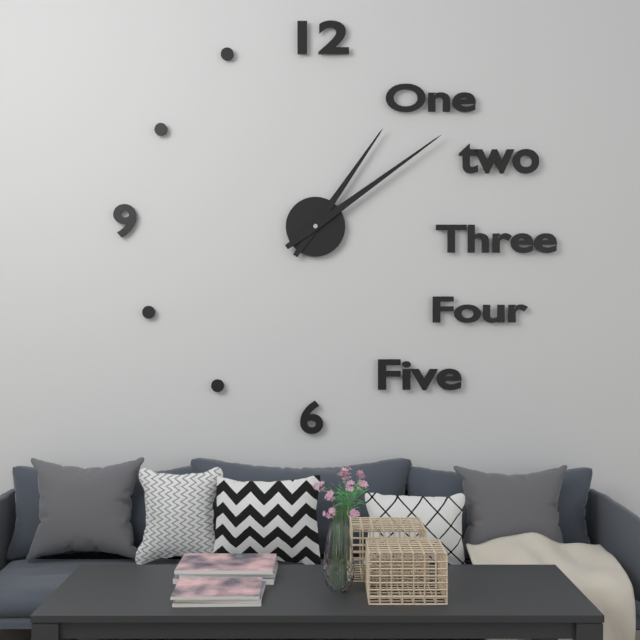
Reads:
{"hour": 1, "minute": 9}
